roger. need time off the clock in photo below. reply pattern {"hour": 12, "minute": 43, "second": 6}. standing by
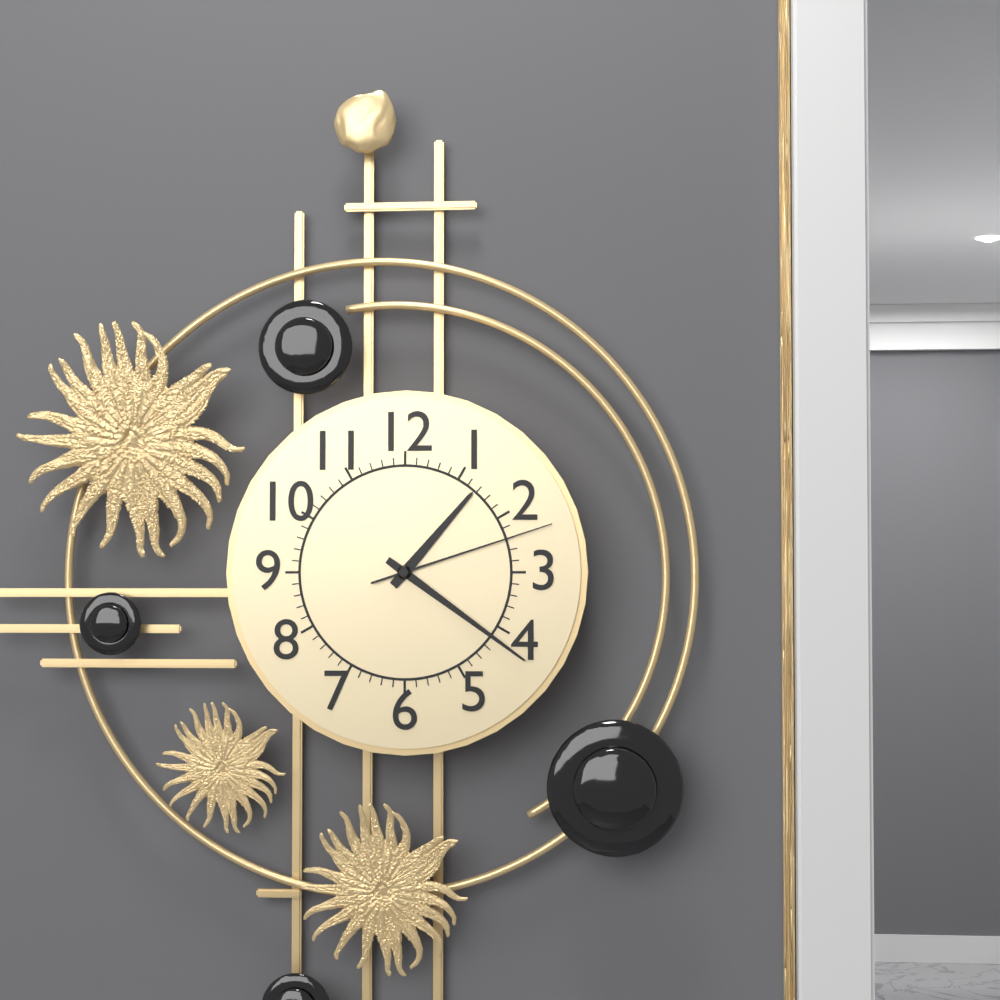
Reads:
{"hour": 1, "minute": 21, "second": 12}
